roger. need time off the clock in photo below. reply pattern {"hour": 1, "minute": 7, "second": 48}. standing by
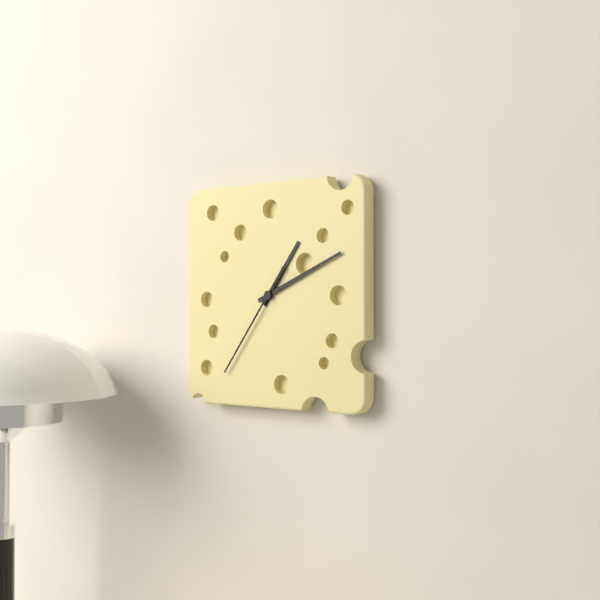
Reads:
{"hour": 1, "minute": 11, "second": 36}
